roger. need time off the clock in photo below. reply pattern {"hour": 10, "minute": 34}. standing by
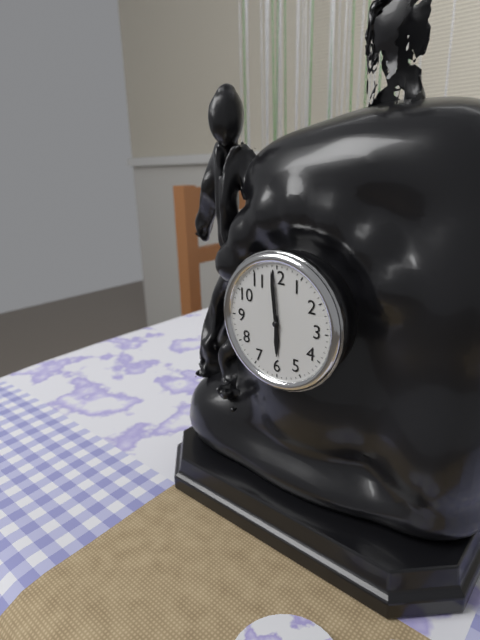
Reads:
{"hour": 5, "minute": 59}
